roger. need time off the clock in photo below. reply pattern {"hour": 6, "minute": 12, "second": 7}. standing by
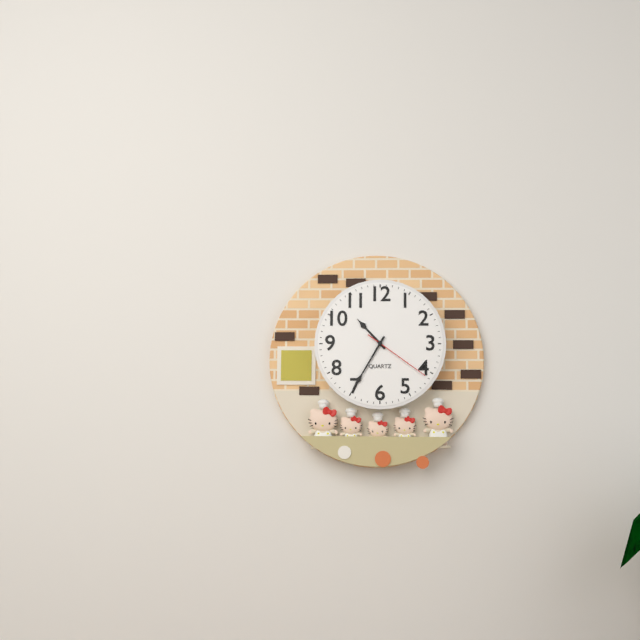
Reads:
{"hour": 10, "minute": 35, "second": 21}
